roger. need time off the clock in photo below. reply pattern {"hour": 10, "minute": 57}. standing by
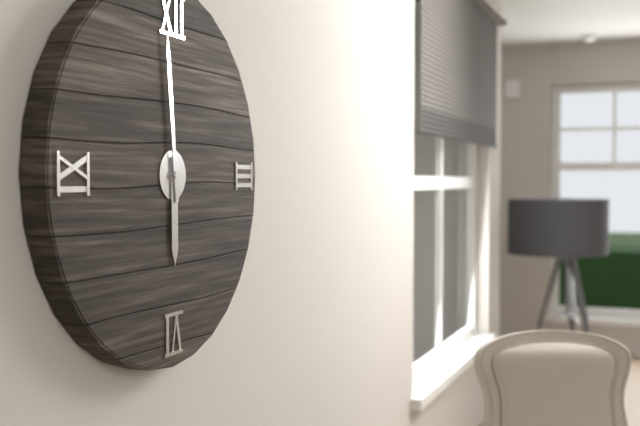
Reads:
{"hour": 5, "minute": 59}
